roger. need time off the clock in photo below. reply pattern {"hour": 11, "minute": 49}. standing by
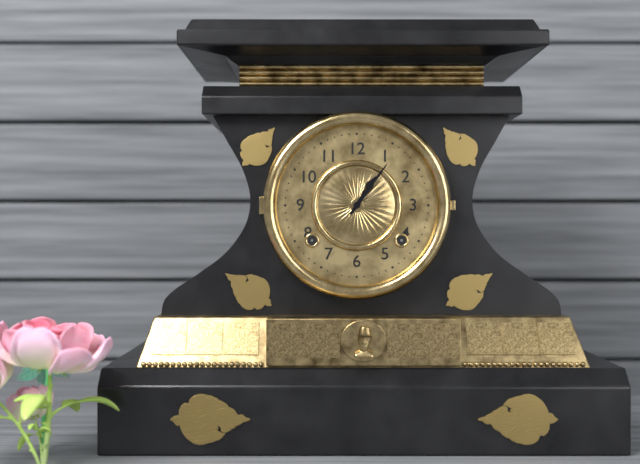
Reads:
{"hour": 1, "minute": 6}
